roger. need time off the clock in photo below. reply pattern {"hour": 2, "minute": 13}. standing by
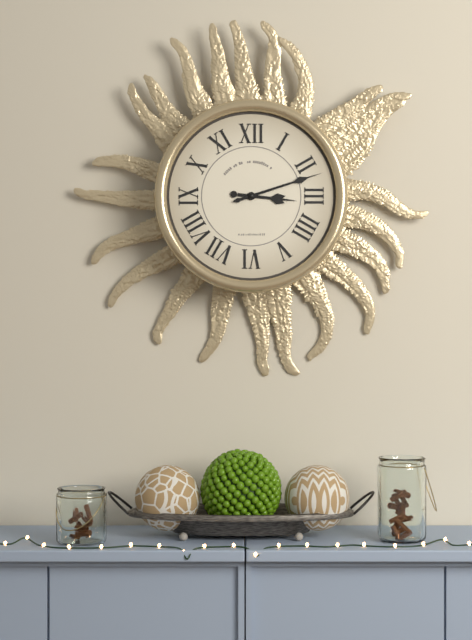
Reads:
{"hour": 3, "minute": 12}
